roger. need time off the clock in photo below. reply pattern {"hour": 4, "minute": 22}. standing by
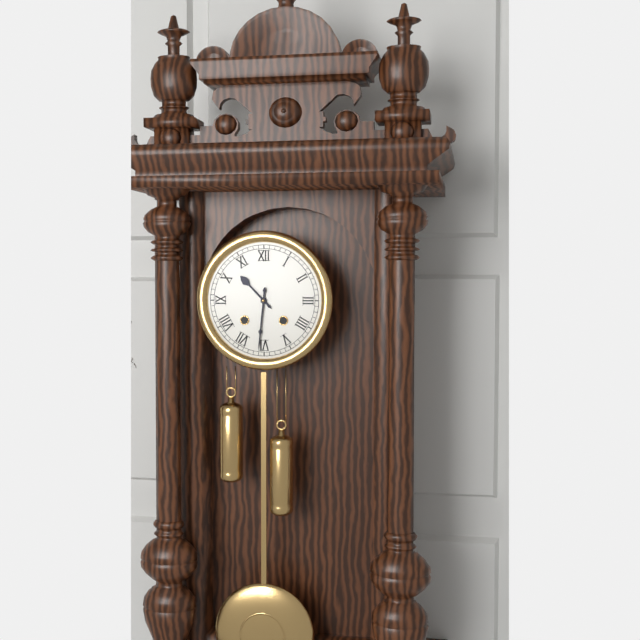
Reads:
{"hour": 10, "minute": 31}
